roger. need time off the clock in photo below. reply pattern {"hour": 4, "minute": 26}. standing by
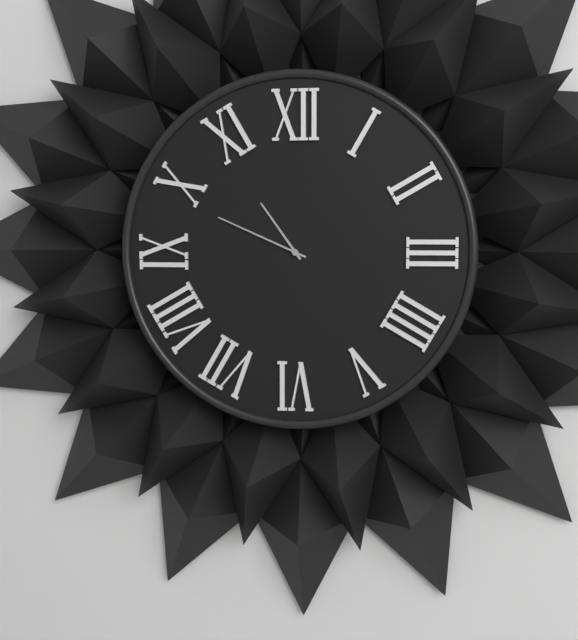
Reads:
{"hour": 10, "minute": 49}
